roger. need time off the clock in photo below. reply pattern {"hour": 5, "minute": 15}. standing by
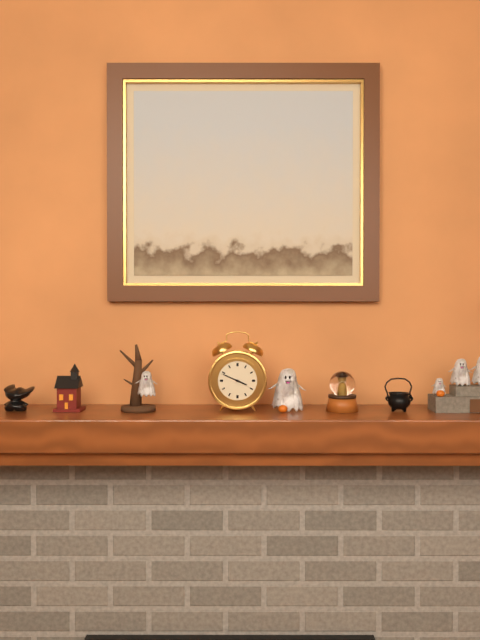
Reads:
{"hour": 3, "minute": 49}
